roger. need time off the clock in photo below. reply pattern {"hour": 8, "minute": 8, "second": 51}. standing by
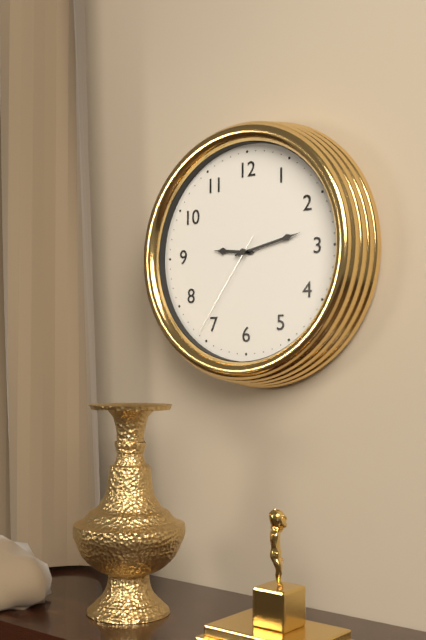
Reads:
{"hour": 9, "minute": 13, "second": 36}
